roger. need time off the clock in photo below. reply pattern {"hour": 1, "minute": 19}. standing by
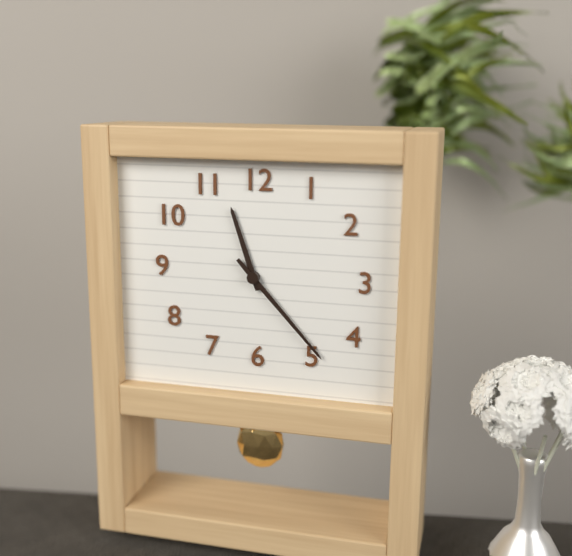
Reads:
{"hour": 11, "minute": 23}
